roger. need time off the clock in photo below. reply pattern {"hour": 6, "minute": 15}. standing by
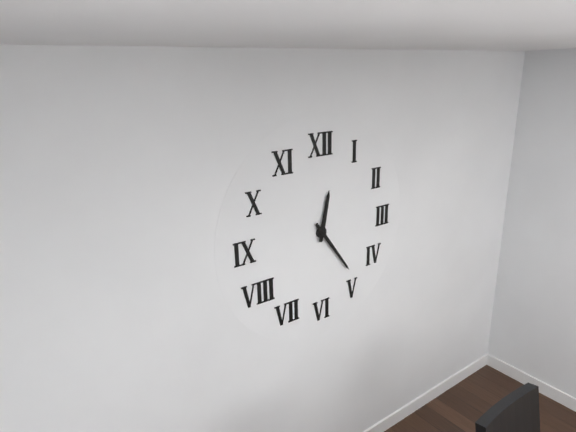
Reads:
{"hour": 12, "minute": 24}
